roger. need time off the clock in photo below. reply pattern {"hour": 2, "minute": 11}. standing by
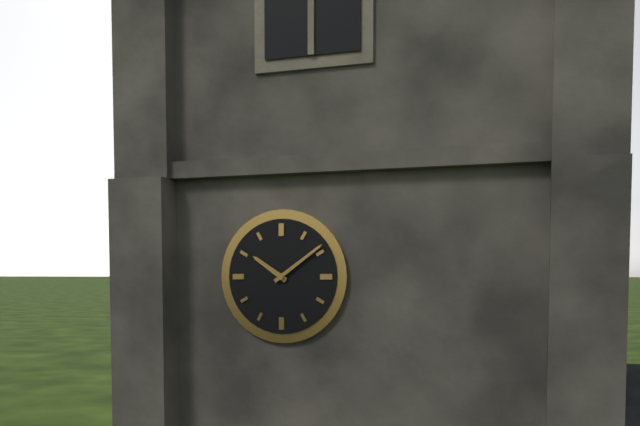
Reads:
{"hour": 10, "minute": 9}
